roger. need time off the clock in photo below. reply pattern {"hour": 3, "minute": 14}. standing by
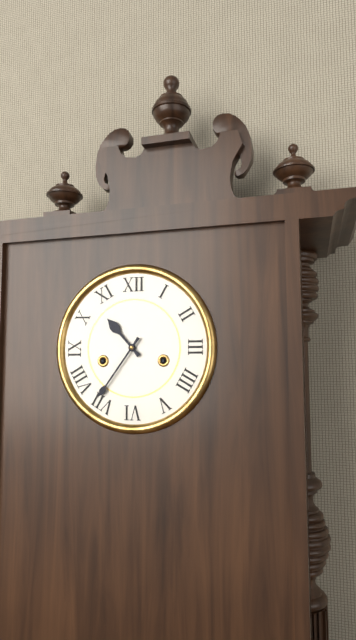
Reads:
{"hour": 10, "minute": 36}
